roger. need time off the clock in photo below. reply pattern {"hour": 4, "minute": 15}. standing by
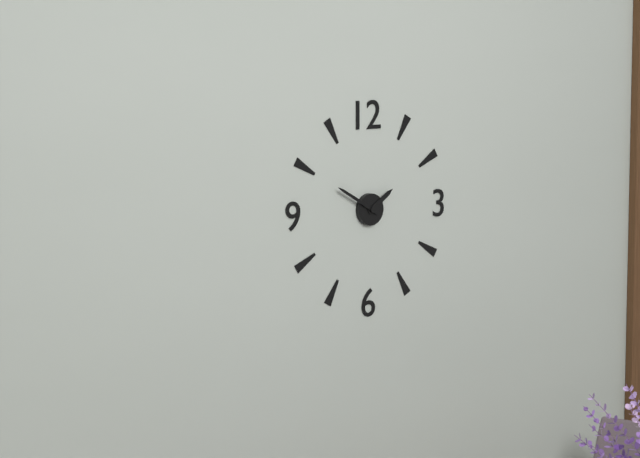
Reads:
{"hour": 1, "minute": 50}
